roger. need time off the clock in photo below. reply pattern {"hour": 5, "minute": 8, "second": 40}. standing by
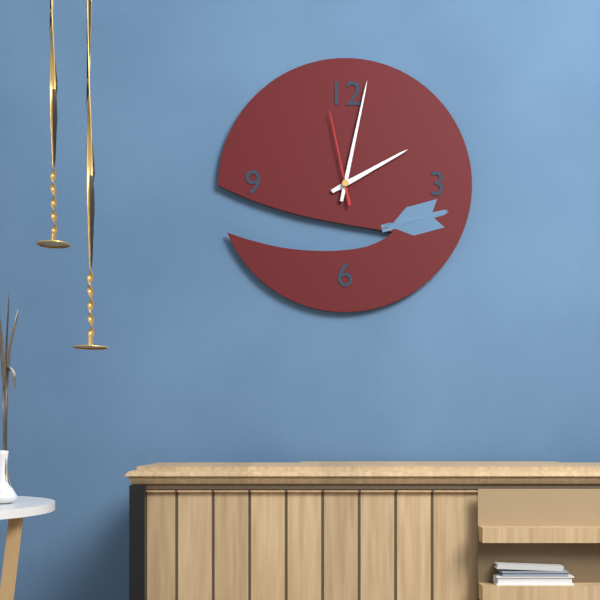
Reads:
{"hour": 2, "minute": 2, "second": 58}
